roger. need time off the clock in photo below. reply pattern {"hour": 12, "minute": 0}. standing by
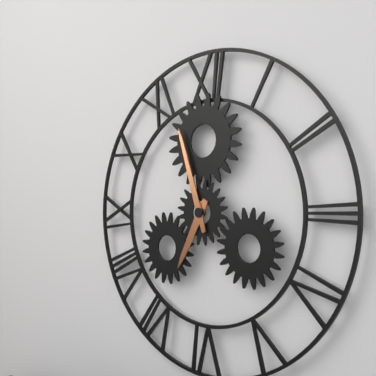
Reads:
{"hour": 6, "minute": 57}
